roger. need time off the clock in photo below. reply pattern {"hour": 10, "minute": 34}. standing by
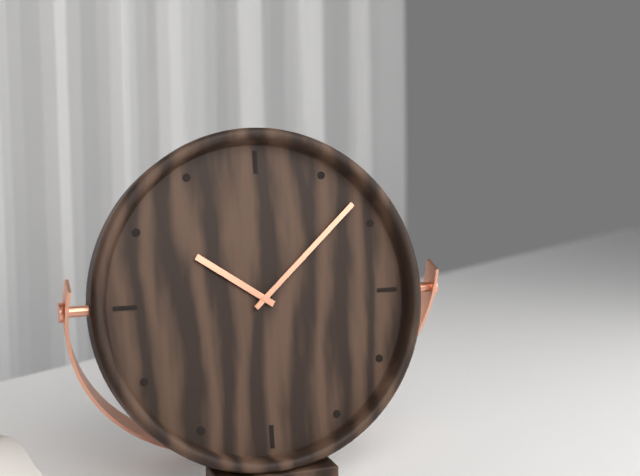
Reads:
{"hour": 10, "minute": 8}
